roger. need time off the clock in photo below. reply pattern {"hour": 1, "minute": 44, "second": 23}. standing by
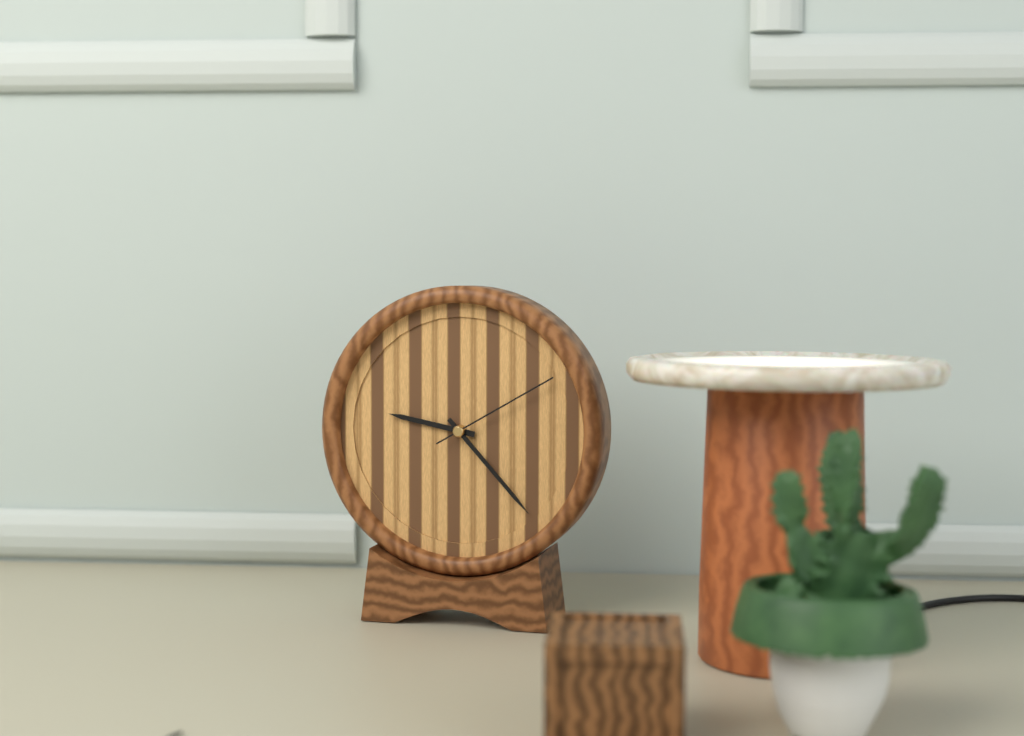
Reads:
{"hour": 9, "minute": 23, "second": 10}
